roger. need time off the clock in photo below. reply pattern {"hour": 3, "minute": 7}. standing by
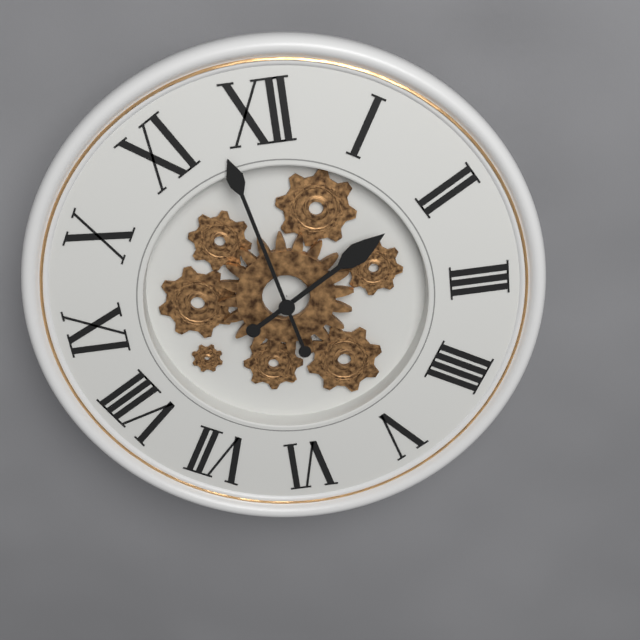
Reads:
{"hour": 1, "minute": 58}
